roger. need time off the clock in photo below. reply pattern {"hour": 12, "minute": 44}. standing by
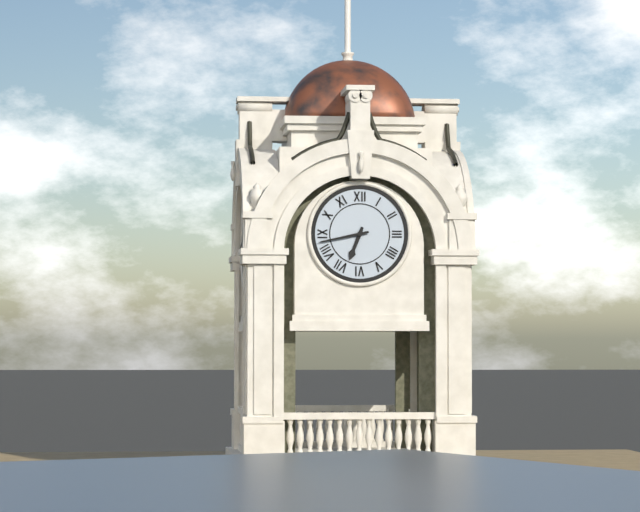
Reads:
{"hour": 6, "minute": 43}
